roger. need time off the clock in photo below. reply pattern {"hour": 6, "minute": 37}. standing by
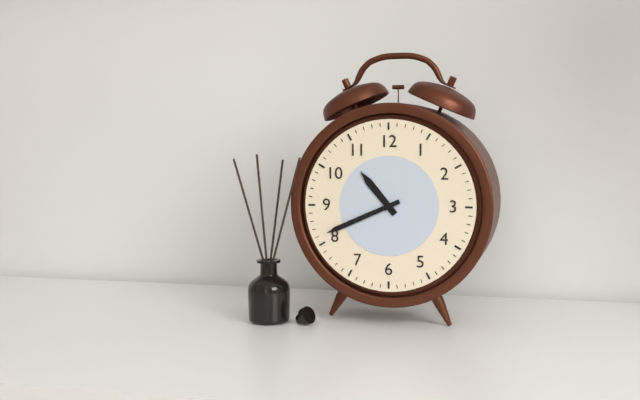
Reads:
{"hour": 10, "minute": 41}
